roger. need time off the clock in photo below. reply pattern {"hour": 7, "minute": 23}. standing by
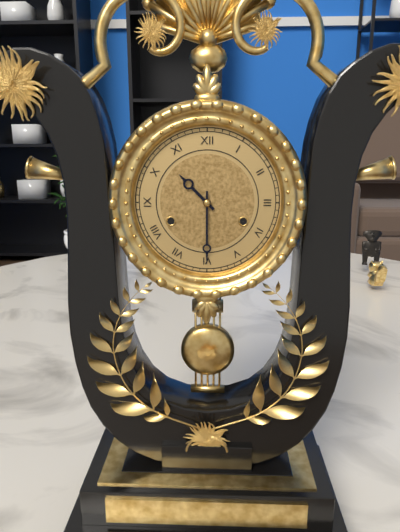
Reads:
{"hour": 10, "minute": 30}
